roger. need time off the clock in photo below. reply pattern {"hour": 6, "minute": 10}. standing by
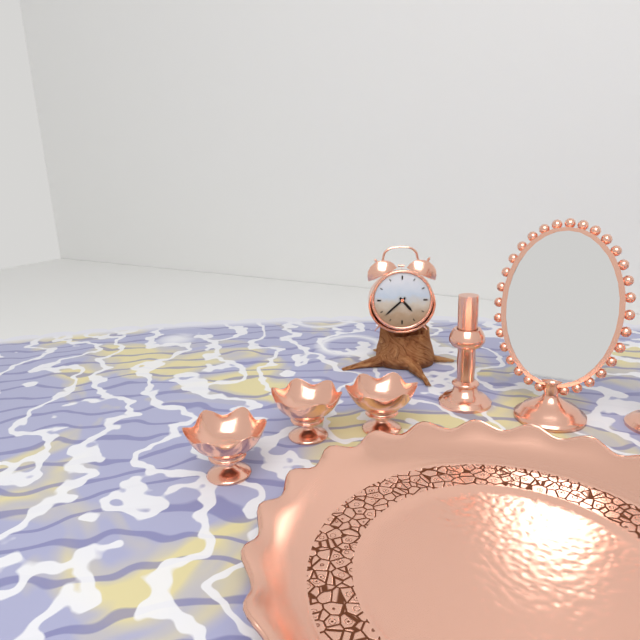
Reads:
{"hour": 4, "minute": 38}
